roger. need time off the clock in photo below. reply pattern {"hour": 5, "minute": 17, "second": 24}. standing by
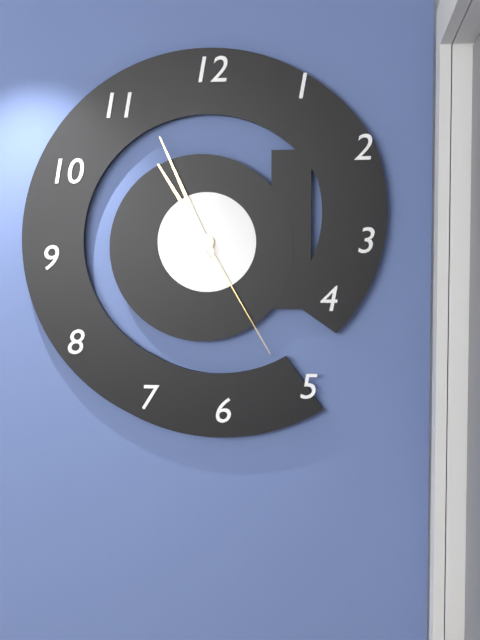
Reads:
{"hour": 10, "minute": 56, "second": 25}
